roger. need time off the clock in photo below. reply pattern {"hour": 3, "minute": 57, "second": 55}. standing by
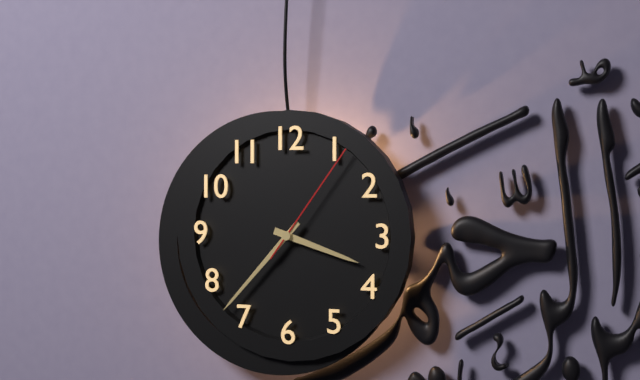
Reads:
{"hour": 3, "minute": 37, "second": 6}
